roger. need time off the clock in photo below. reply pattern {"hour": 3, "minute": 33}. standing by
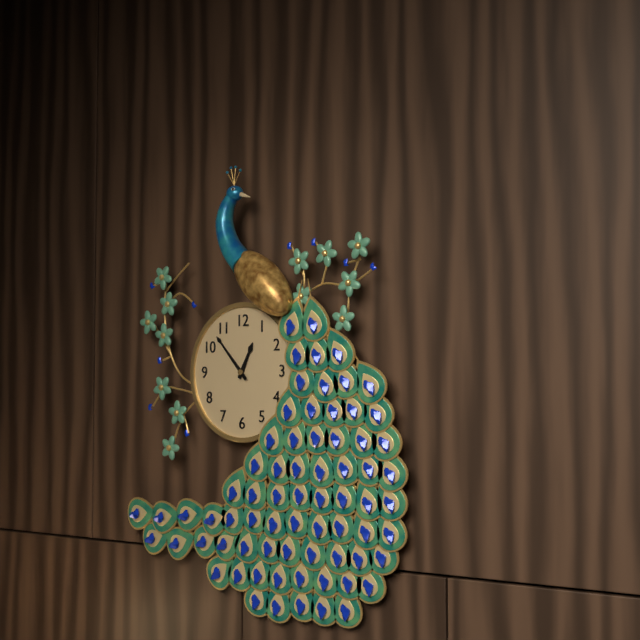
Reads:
{"hour": 12, "minute": 53}
